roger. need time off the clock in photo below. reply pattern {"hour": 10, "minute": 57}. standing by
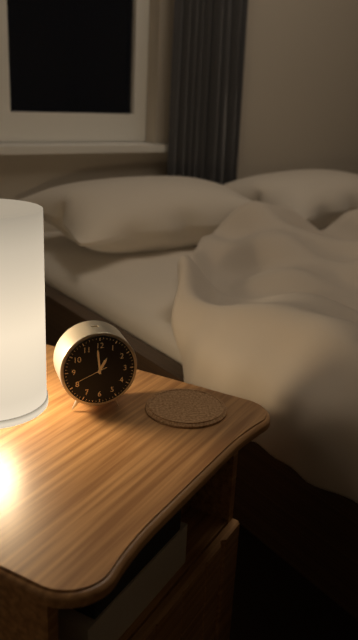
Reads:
{"hour": 12, "minute": 59}
